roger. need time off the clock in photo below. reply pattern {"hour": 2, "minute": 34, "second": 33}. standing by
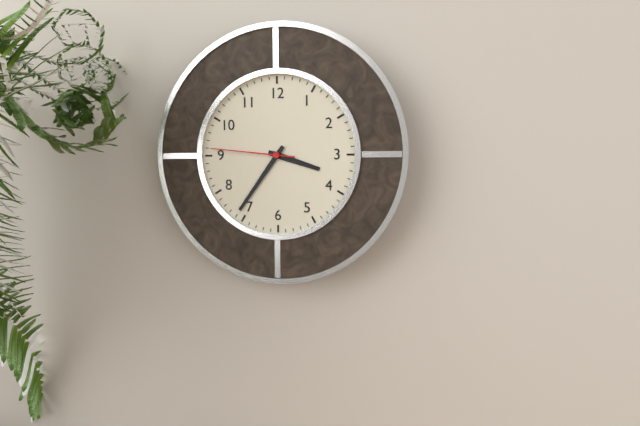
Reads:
{"hour": 3, "minute": 36, "second": 46}
